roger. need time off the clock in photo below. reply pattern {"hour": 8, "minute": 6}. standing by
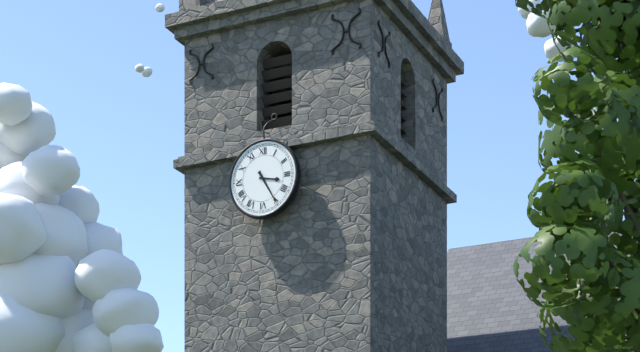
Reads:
{"hour": 3, "minute": 25}
